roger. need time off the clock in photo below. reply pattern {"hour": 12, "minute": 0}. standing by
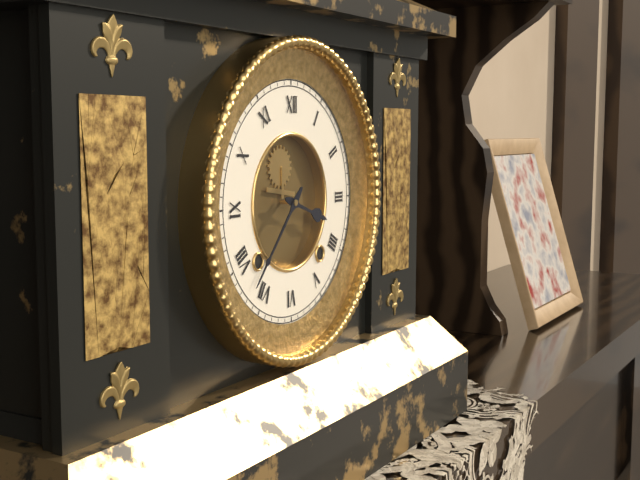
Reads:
{"hour": 3, "minute": 37}
